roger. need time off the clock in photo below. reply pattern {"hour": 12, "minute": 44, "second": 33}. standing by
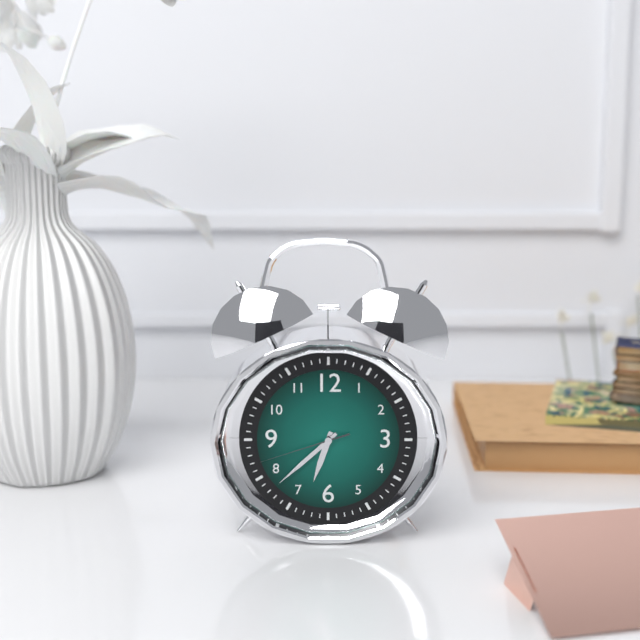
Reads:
{"hour": 6, "minute": 38, "second": 42}
